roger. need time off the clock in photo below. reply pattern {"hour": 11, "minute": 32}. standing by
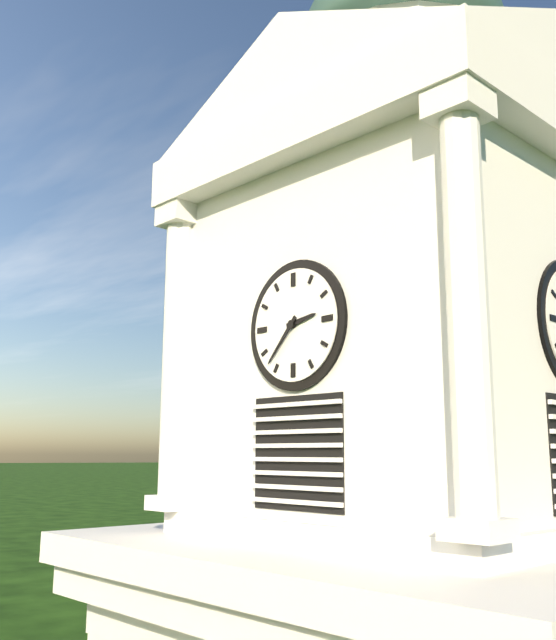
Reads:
{"hour": 2, "minute": 37}
